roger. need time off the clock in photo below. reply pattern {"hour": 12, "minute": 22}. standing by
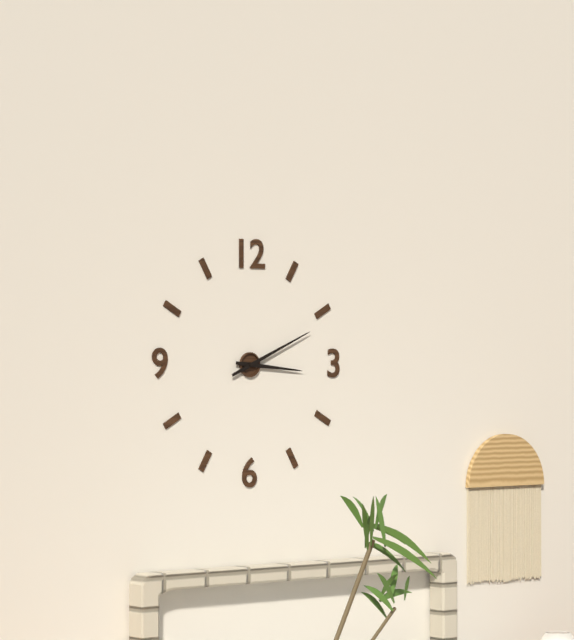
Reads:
{"hour": 3, "minute": 11}
